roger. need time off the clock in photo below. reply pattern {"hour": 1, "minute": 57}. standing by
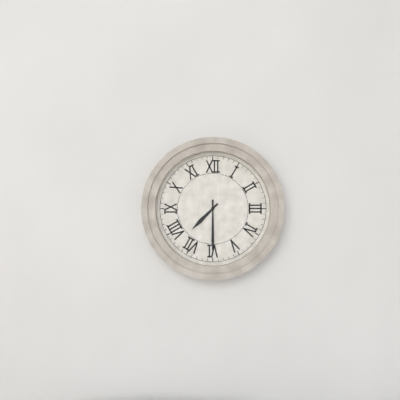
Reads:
{"hour": 7, "minute": 30}
